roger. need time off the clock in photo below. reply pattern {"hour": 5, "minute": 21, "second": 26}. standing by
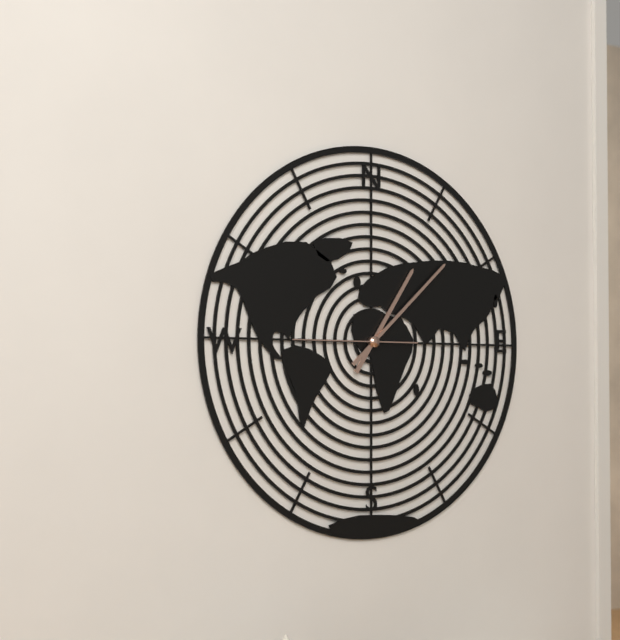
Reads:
{"hour": 1, "minute": 8, "second": 45}
